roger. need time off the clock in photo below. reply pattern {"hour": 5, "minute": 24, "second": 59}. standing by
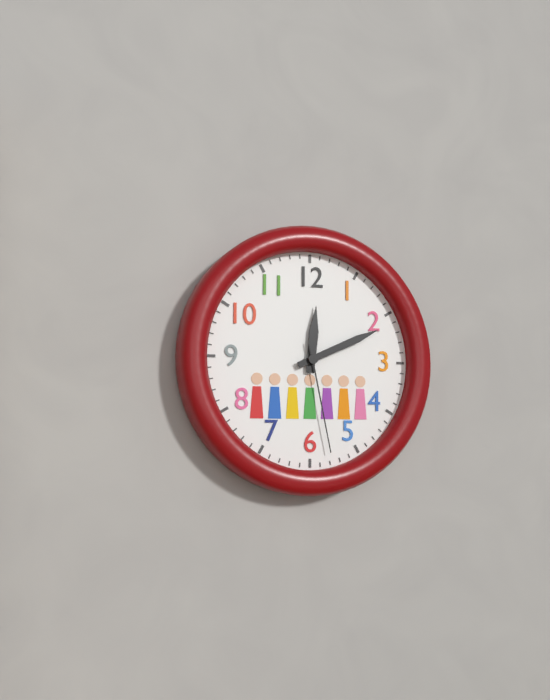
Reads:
{"hour": 12, "minute": 11, "second": 28}
